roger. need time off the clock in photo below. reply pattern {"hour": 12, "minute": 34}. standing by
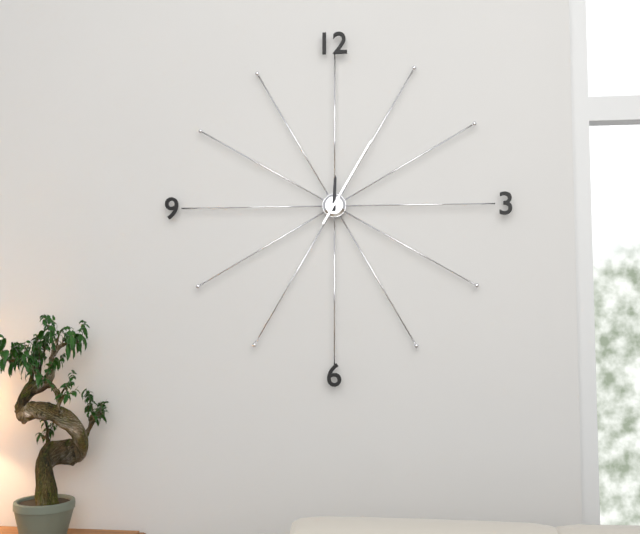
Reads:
{"hour": 12, "minute": 5}
